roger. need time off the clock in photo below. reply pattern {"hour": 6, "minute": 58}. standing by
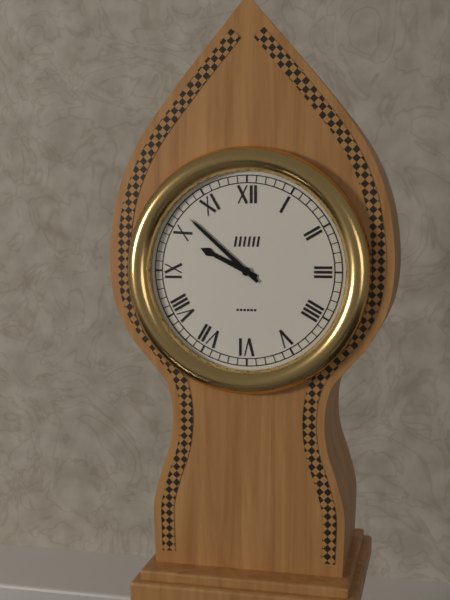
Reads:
{"hour": 9, "minute": 52}
